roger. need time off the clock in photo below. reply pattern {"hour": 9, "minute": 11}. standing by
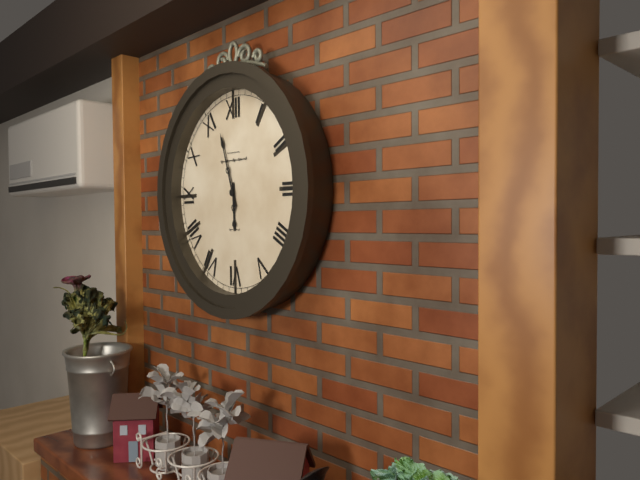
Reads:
{"hour": 5, "minute": 57}
